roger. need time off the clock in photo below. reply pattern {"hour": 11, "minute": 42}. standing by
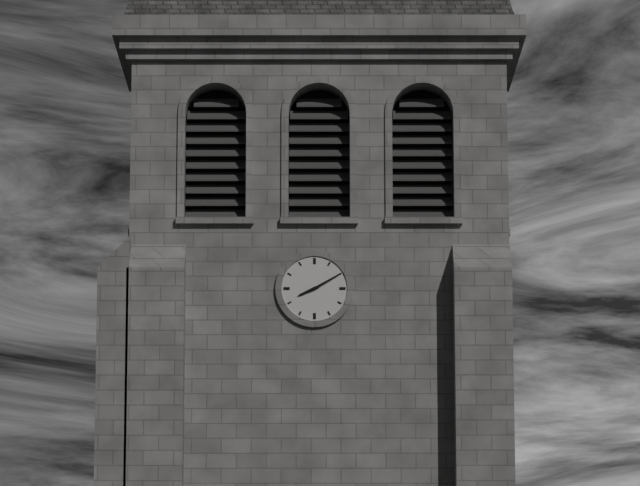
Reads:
{"hour": 8, "minute": 10}
